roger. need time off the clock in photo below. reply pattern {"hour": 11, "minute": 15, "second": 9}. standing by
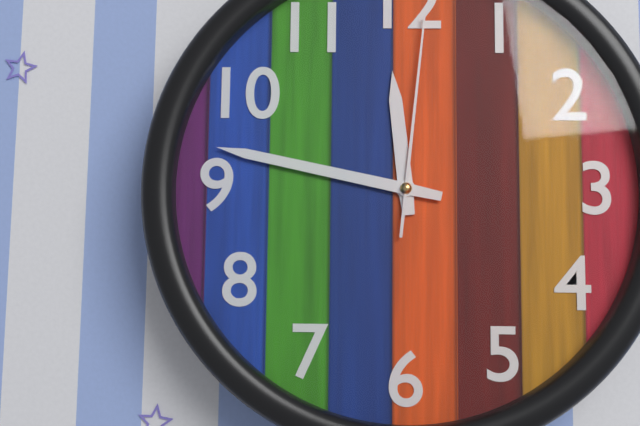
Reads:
{"hour": 11, "minute": 47, "second": 1}
